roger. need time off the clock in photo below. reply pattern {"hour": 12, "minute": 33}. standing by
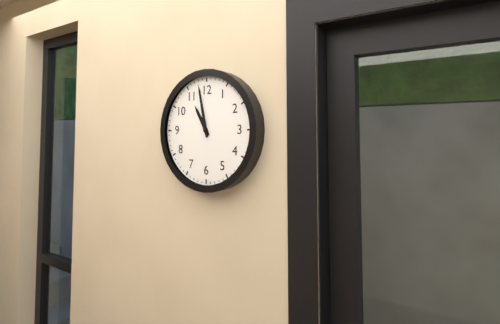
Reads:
{"hour": 10, "minute": 58}
